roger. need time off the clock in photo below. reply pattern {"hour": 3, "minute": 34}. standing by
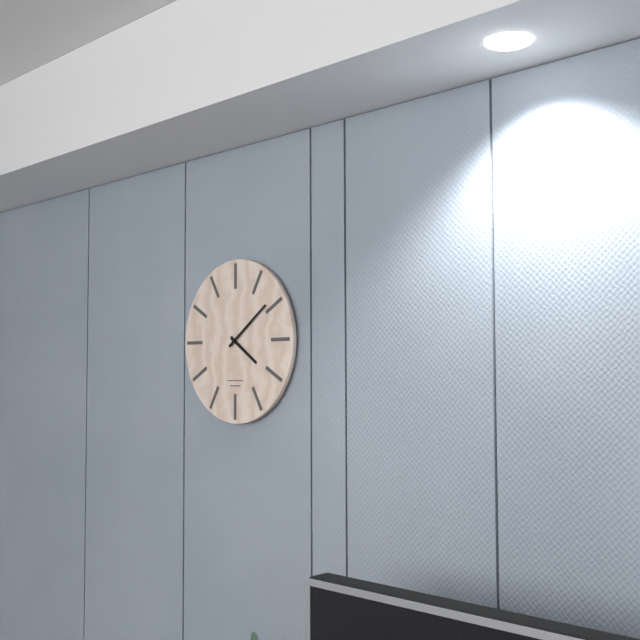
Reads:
{"hour": 4, "minute": 9}
